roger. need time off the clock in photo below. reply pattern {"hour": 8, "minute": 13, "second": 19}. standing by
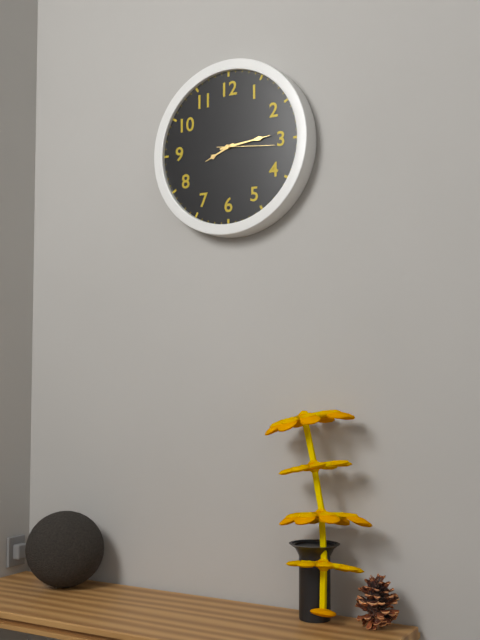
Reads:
{"hour": 8, "minute": 14, "second": 16}
